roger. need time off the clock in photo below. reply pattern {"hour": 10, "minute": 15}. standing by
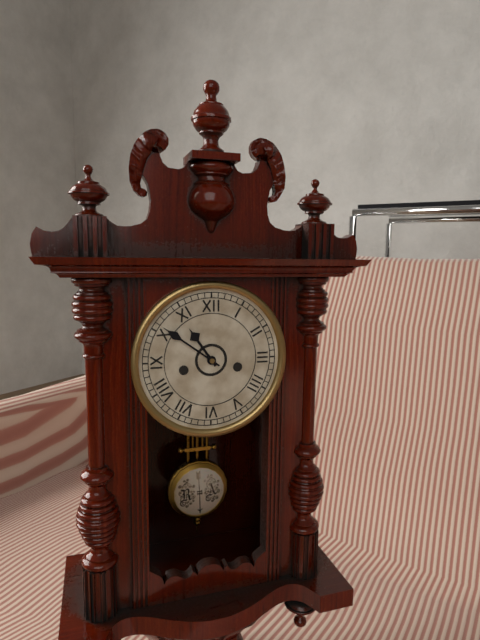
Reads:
{"hour": 10, "minute": 51}
